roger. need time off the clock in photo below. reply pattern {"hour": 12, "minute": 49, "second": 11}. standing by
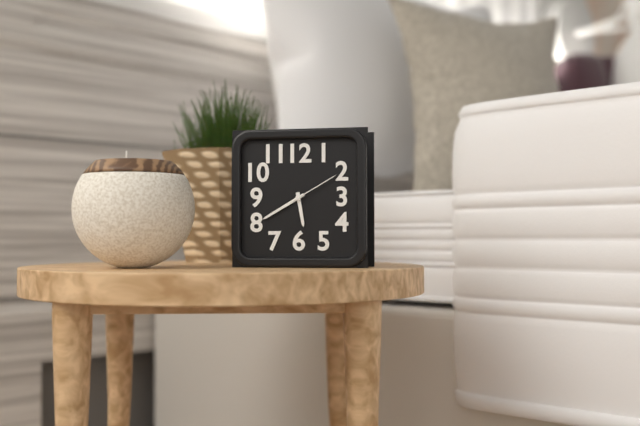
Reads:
{"hour": 5, "minute": 40, "second": 10}
